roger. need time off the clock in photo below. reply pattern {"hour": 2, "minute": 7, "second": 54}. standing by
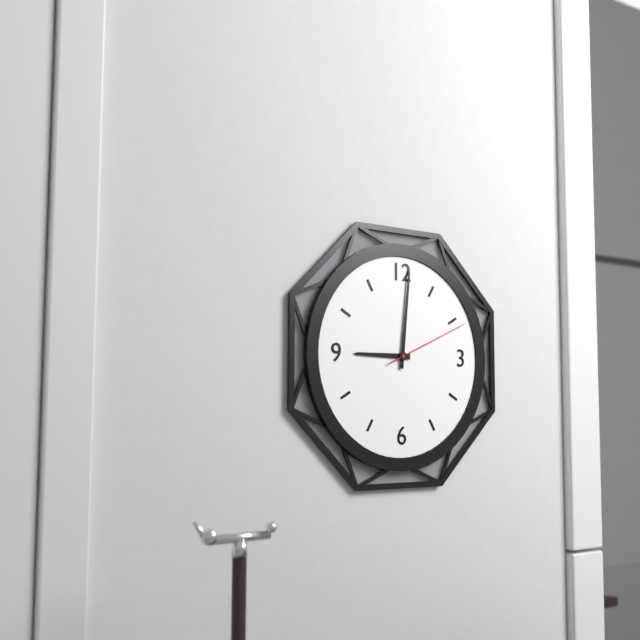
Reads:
{"hour": 9, "minute": 1, "second": 11}
